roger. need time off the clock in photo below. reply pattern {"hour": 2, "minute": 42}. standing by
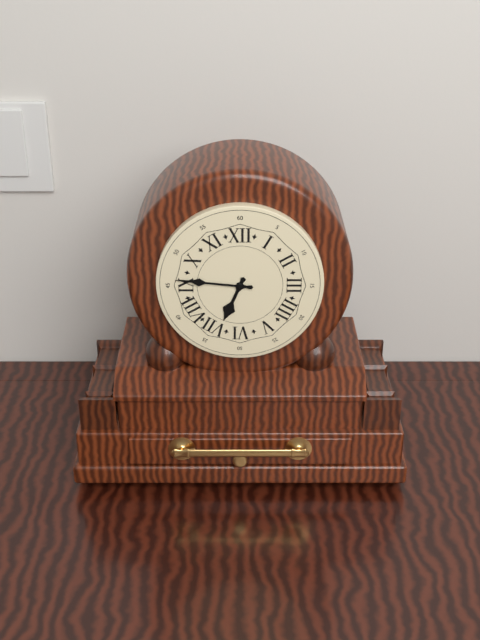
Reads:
{"hour": 6, "minute": 46}
